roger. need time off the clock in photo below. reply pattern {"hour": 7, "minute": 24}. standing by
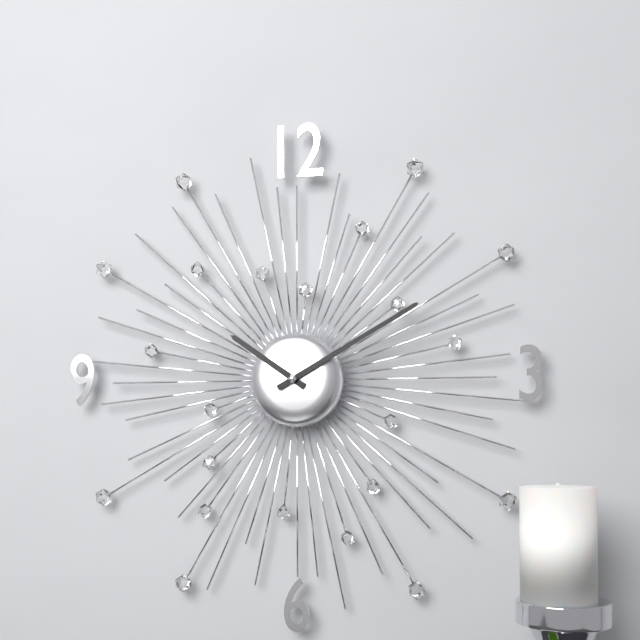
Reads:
{"hour": 10, "minute": 10}
